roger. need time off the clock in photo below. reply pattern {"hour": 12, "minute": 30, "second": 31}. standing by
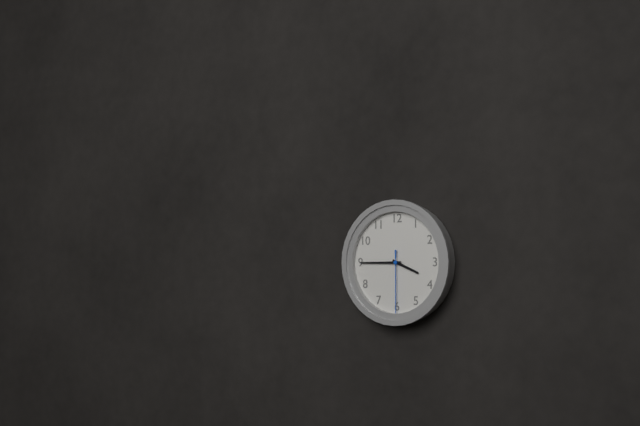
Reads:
{"hour": 3, "minute": 45, "second": 30}
